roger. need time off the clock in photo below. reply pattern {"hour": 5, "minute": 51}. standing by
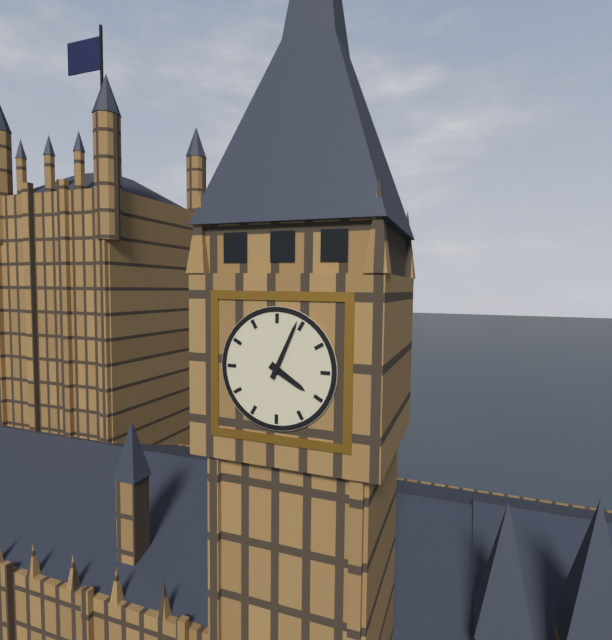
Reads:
{"hour": 4, "minute": 4}
